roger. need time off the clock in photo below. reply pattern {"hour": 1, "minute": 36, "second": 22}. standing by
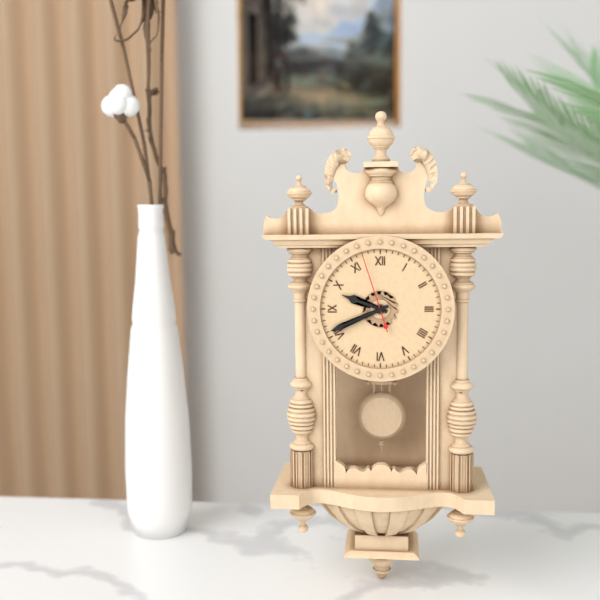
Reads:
{"hour": 9, "minute": 41, "second": 57}
